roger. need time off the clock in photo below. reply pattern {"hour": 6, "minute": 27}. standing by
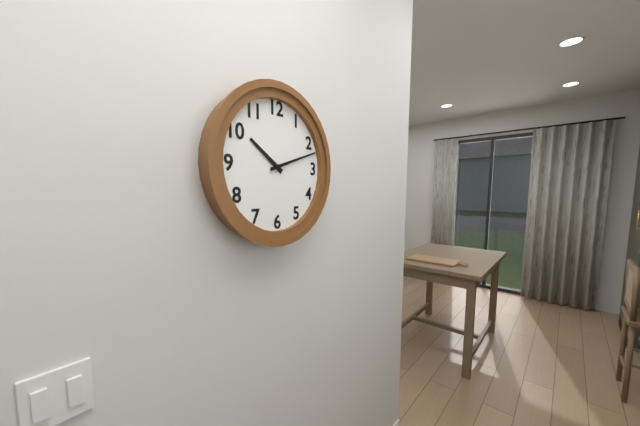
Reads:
{"hour": 10, "minute": 12}
